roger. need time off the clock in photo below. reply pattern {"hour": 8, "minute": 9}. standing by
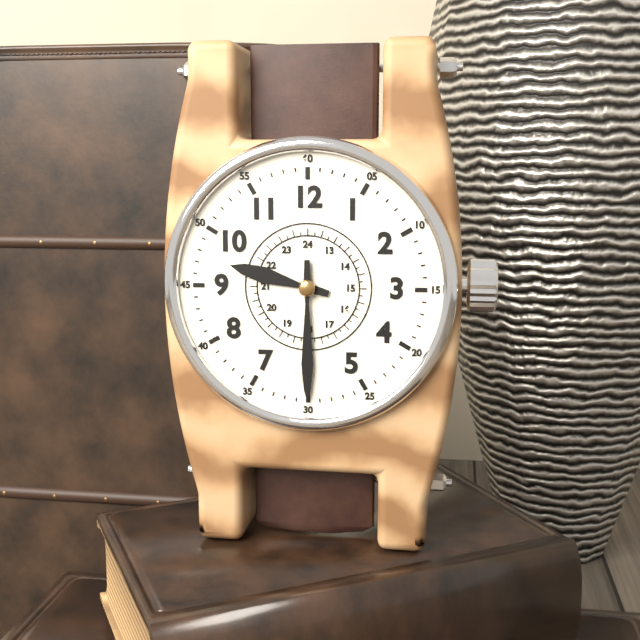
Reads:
{"hour": 9, "minute": 30}
